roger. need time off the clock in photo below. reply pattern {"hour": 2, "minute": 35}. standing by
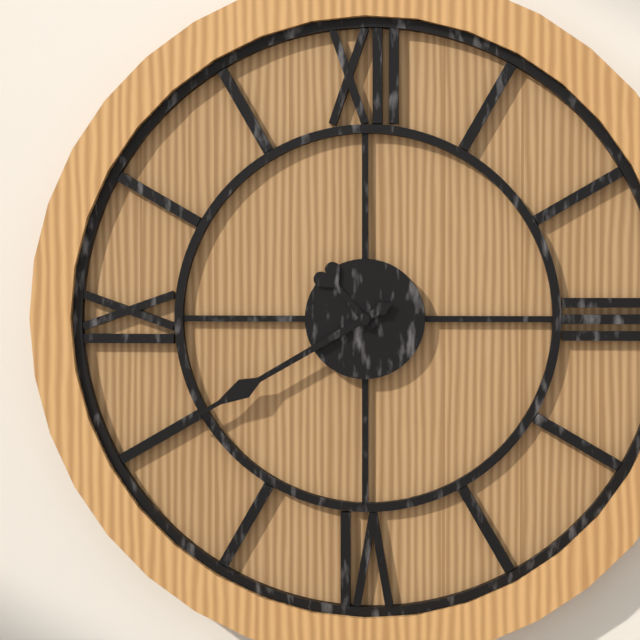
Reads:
{"hour": 10, "minute": 40}
